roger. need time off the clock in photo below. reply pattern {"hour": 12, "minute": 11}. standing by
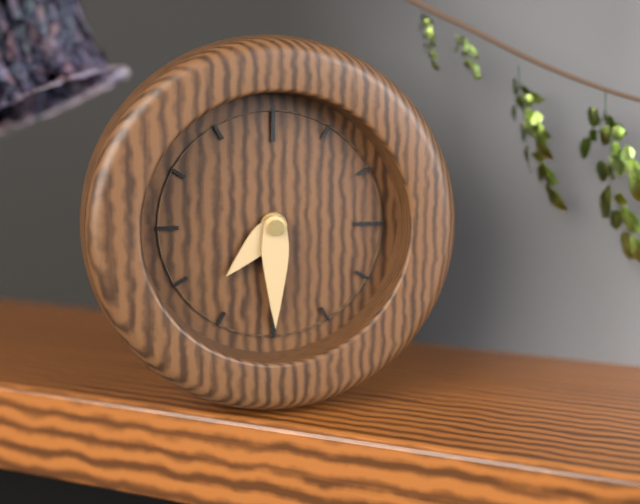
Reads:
{"hour": 7, "minute": 30}
